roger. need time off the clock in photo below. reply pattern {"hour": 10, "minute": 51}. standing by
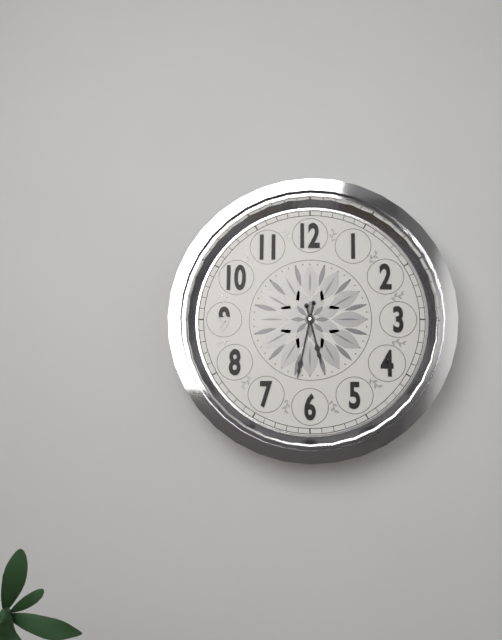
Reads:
{"hour": 5, "minute": 32}
